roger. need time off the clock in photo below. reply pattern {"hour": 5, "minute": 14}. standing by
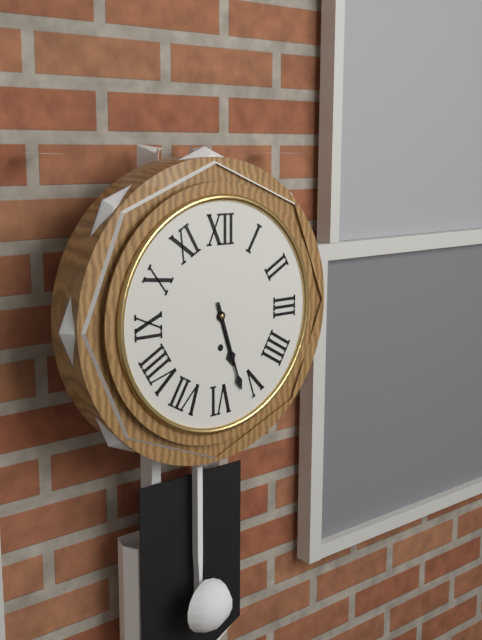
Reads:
{"hour": 5, "minute": 27}
